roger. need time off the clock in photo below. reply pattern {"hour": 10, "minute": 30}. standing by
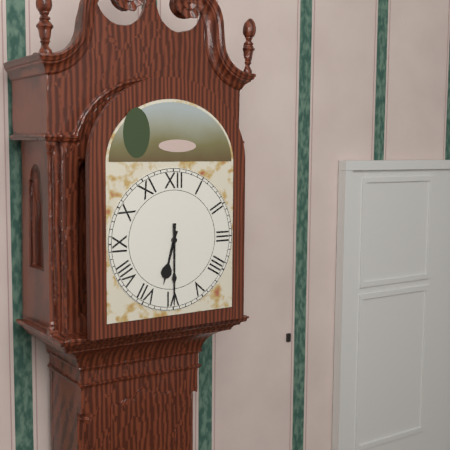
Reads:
{"hour": 6, "minute": 30}
